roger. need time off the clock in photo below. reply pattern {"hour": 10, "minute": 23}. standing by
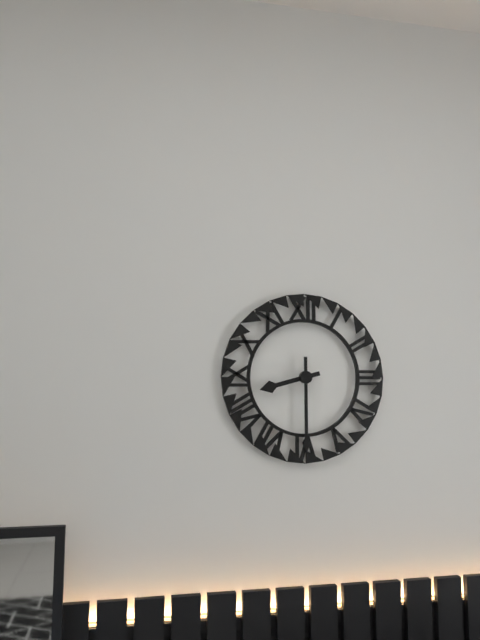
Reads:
{"hour": 8, "minute": 30}
